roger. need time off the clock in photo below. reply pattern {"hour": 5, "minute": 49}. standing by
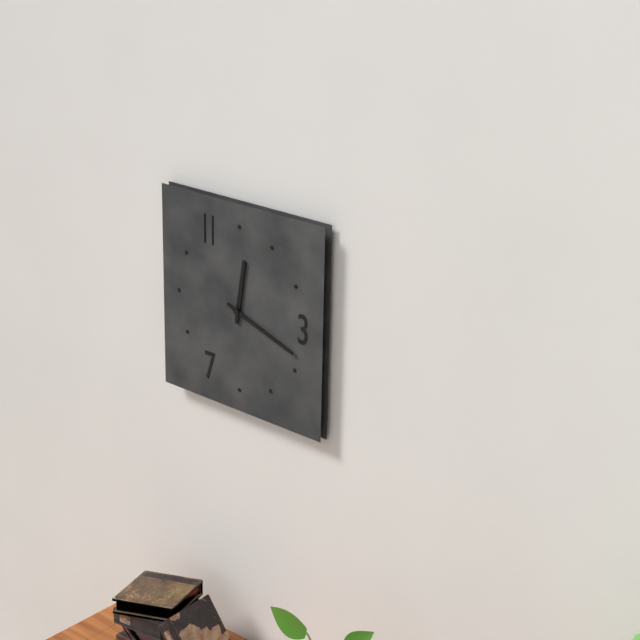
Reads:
{"hour": 12, "minute": 18}
